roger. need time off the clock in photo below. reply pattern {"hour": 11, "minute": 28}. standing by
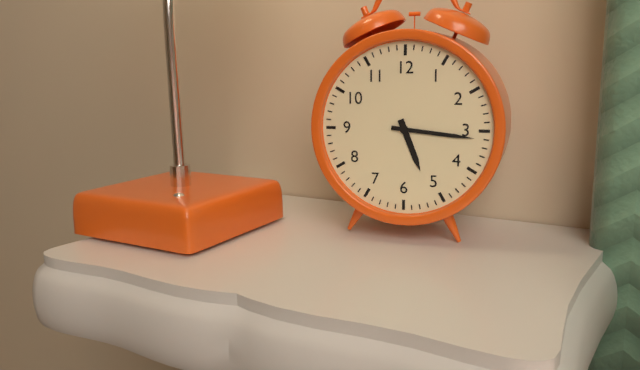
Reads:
{"hour": 5, "minute": 16}
